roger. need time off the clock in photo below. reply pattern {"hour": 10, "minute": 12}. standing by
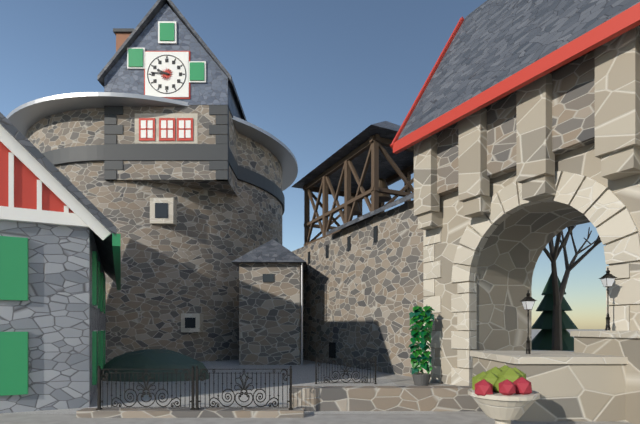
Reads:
{"hour": 9, "minute": 46}
